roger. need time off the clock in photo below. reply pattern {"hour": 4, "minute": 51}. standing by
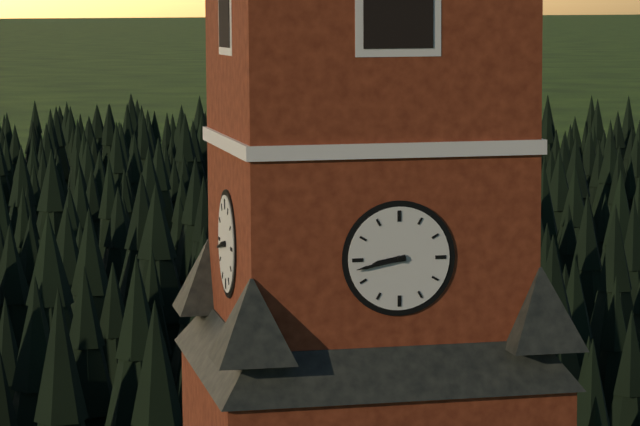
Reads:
{"hour": 8, "minute": 43}
